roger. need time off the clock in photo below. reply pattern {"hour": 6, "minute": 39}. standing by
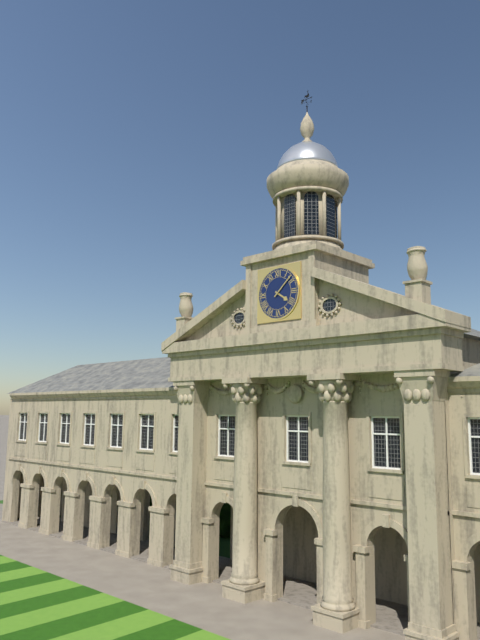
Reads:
{"hour": 4, "minute": 8}
